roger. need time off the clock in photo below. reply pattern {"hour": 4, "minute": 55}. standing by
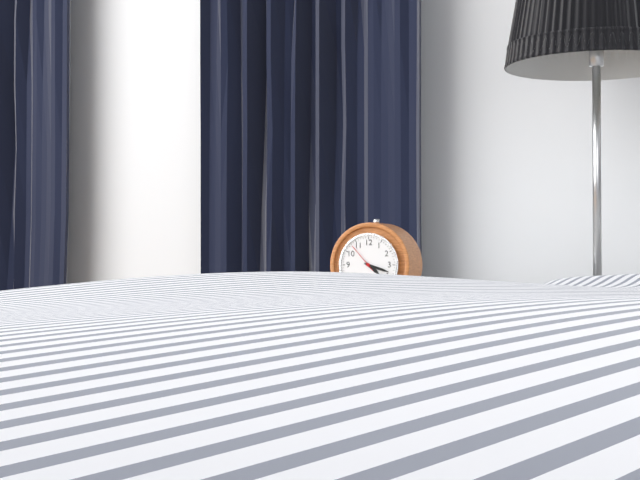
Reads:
{"hour": 4, "minute": 18}
